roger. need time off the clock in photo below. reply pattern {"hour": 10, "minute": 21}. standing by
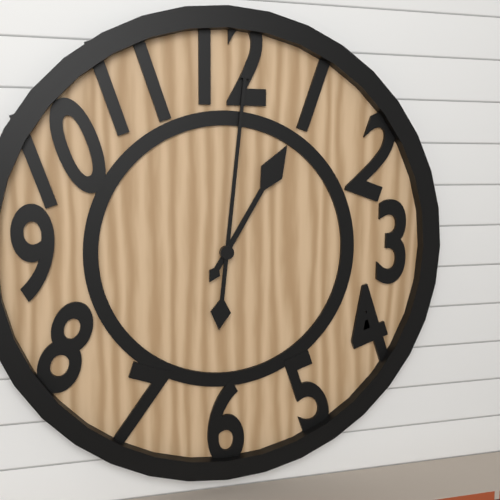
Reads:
{"hour": 1, "minute": 1}
